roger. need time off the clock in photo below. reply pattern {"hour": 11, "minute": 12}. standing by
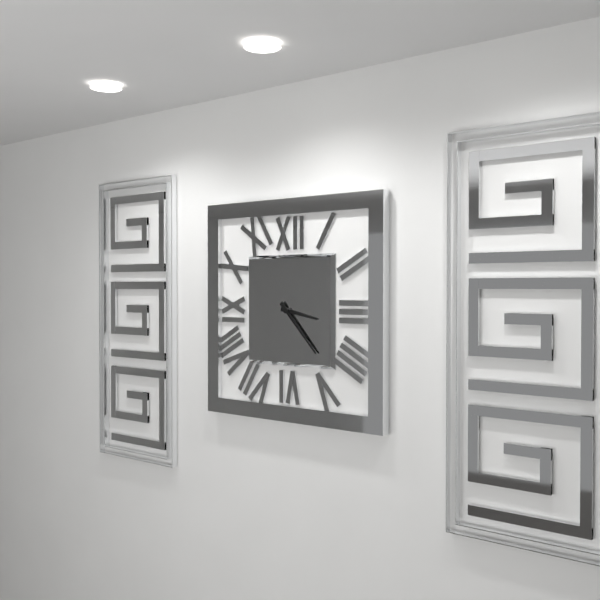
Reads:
{"hour": 3, "minute": 23}
